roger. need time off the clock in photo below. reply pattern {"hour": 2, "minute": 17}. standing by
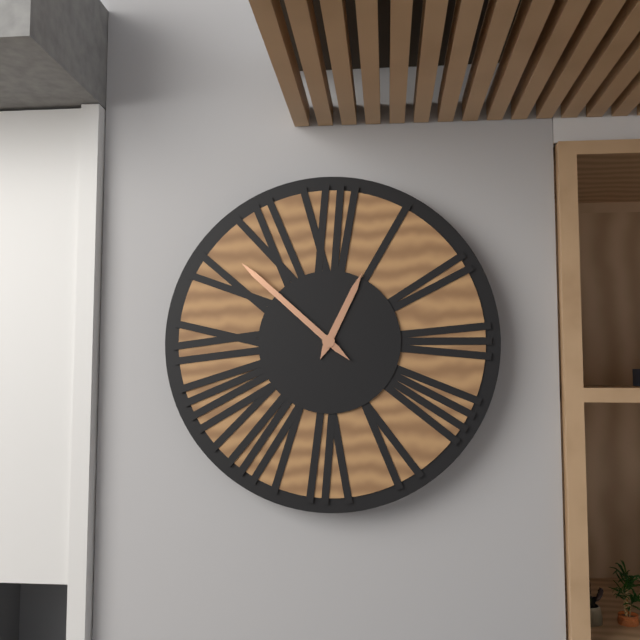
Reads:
{"hour": 12, "minute": 52}
